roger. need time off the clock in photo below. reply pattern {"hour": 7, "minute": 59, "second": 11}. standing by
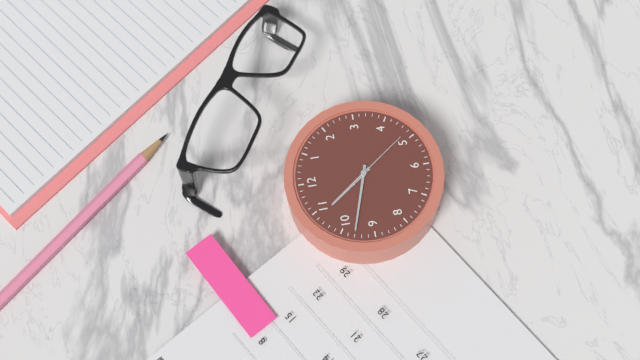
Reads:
{"hour": 10, "minute": 48, "second": 24}
